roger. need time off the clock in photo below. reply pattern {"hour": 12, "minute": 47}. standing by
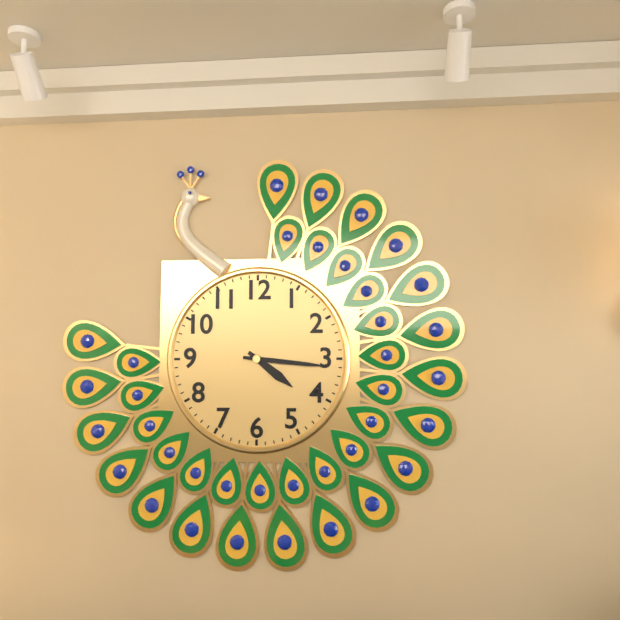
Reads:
{"hour": 4, "minute": 16}
